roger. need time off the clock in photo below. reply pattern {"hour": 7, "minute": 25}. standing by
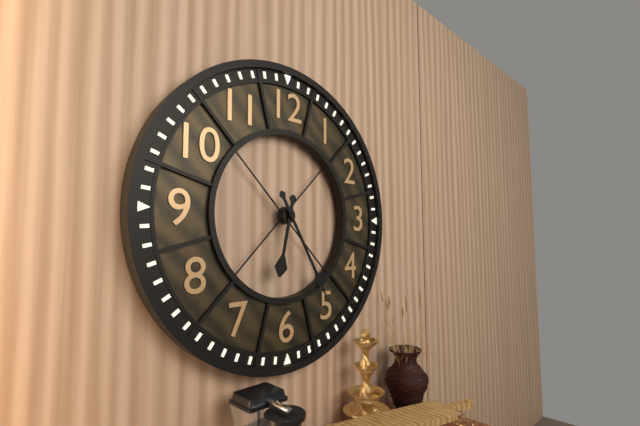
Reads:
{"hour": 6, "minute": 25}
